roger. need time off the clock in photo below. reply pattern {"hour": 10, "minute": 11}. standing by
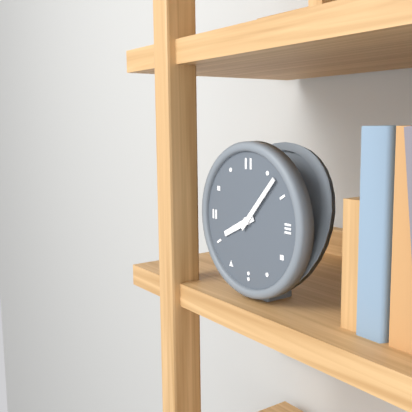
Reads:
{"hour": 8, "minute": 7}
